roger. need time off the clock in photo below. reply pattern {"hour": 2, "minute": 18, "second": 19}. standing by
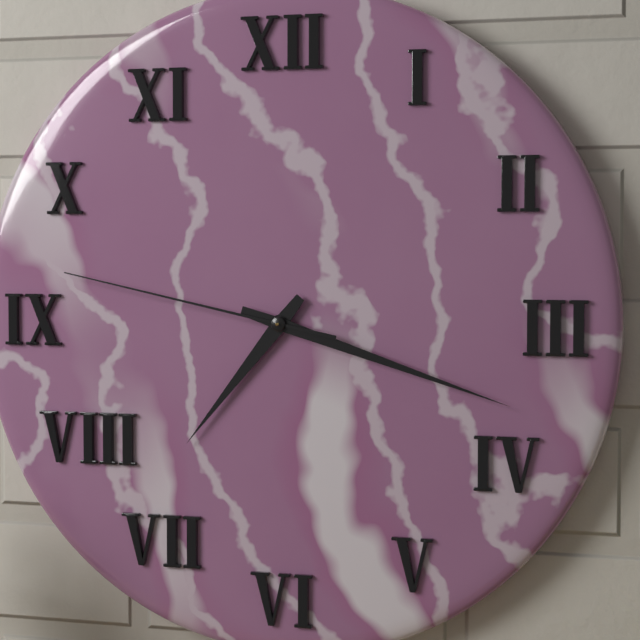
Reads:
{"hour": 7, "minute": 18, "second": 47}
